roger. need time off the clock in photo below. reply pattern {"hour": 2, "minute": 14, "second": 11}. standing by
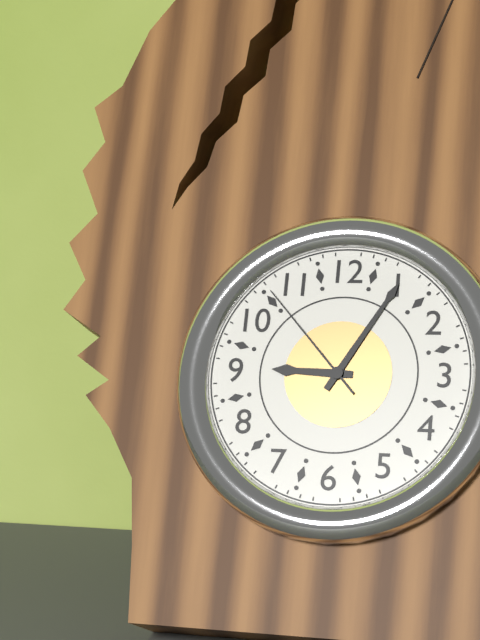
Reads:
{"hour": 9, "minute": 5, "second": 53}
